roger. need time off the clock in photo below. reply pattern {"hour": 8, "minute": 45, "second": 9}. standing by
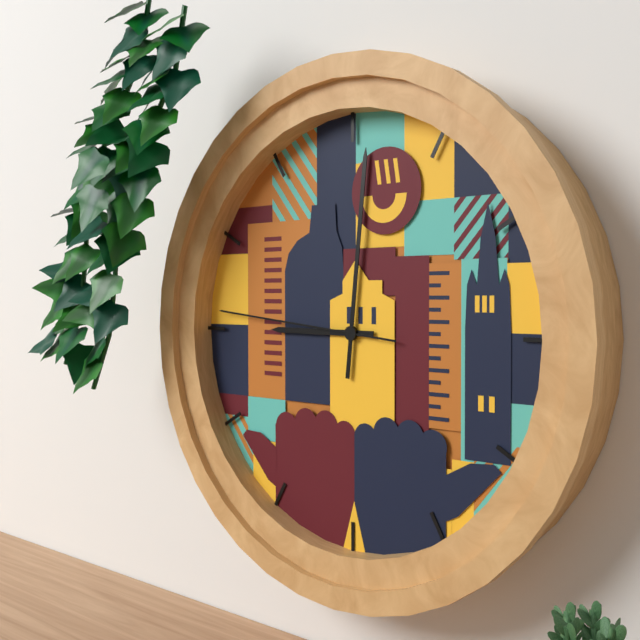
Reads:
{"hour": 9, "minute": 1, "second": 46}
